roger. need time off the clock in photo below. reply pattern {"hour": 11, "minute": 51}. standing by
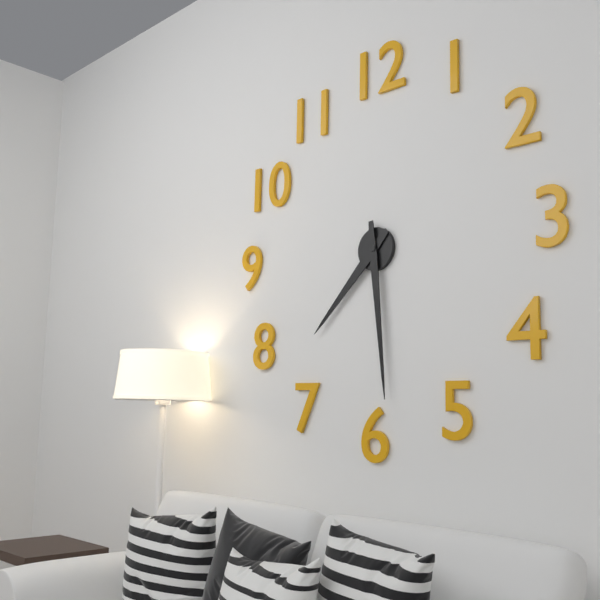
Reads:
{"hour": 7, "minute": 29}
